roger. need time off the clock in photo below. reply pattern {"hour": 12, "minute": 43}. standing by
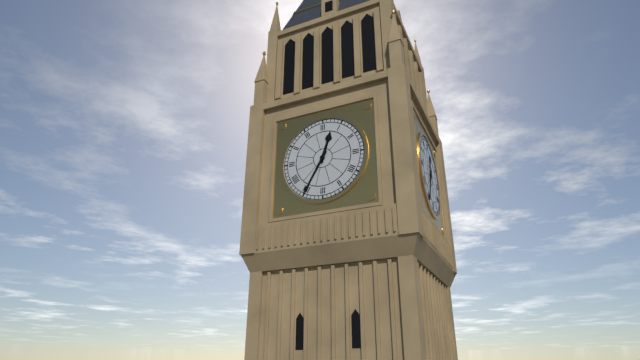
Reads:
{"hour": 12, "minute": 35}
